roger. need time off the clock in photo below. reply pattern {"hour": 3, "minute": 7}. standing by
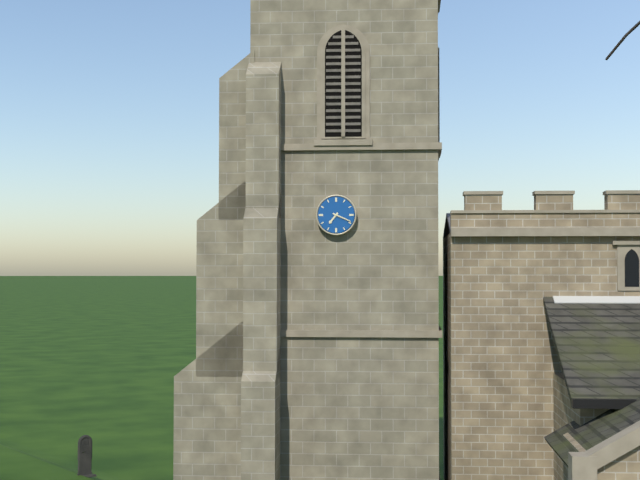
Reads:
{"hour": 7, "minute": 19}
